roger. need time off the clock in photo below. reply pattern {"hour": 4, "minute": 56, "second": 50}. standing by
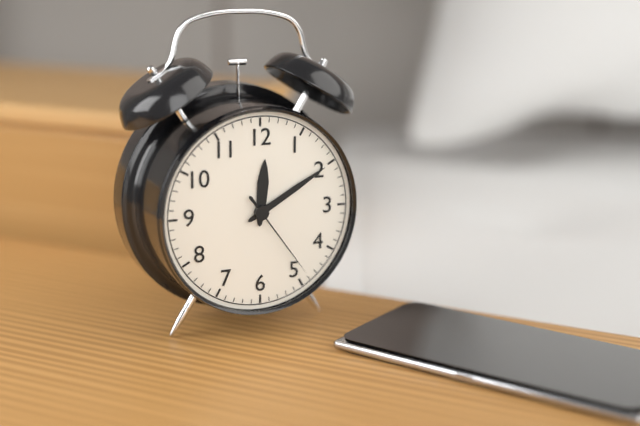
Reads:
{"hour": 12, "minute": 10, "second": 24}
